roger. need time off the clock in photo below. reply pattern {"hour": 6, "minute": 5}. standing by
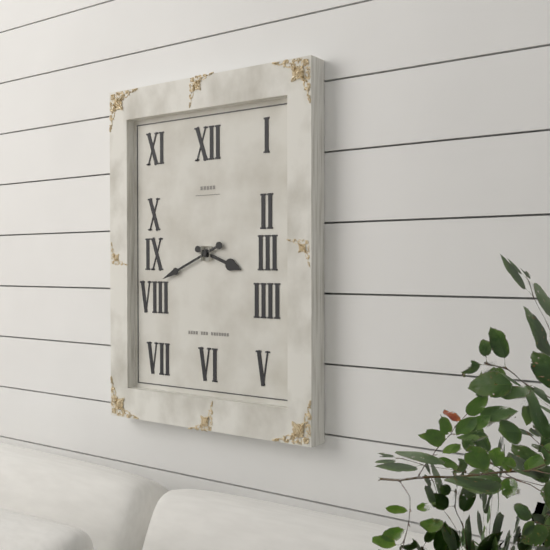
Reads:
{"hour": 3, "minute": 41}
